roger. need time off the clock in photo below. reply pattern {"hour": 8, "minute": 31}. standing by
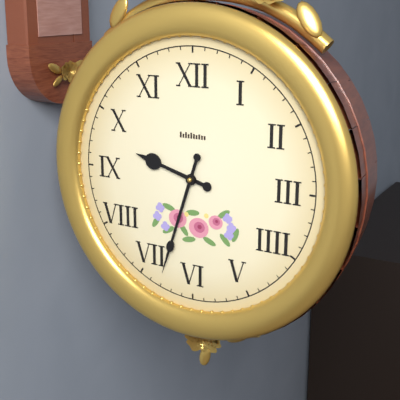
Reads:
{"hour": 9, "minute": 33}
